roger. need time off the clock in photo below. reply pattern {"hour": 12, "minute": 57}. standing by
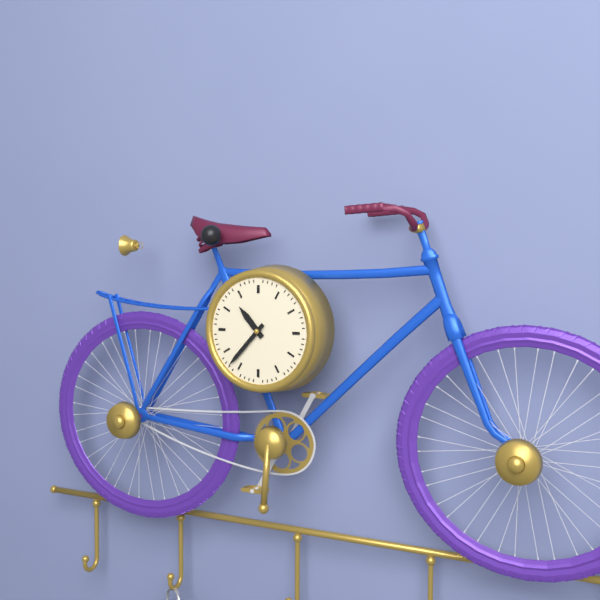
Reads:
{"hour": 10, "minute": 37}
